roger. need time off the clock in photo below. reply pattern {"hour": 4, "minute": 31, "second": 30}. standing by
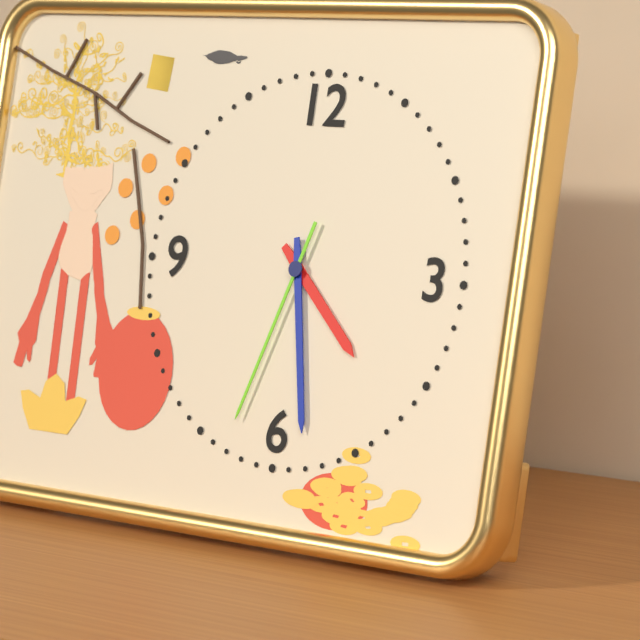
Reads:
{"hour": 4, "minute": 28, "second": 33}
